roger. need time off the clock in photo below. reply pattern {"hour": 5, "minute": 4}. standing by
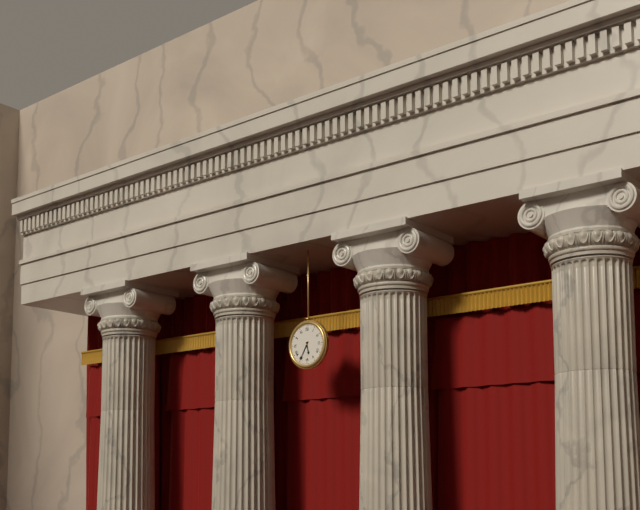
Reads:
{"hour": 5, "minute": 35}
